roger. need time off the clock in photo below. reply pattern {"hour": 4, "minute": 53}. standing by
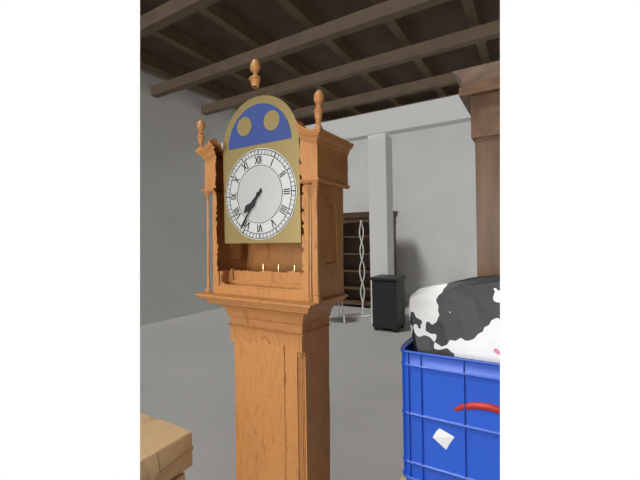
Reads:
{"hour": 7, "minute": 36}
